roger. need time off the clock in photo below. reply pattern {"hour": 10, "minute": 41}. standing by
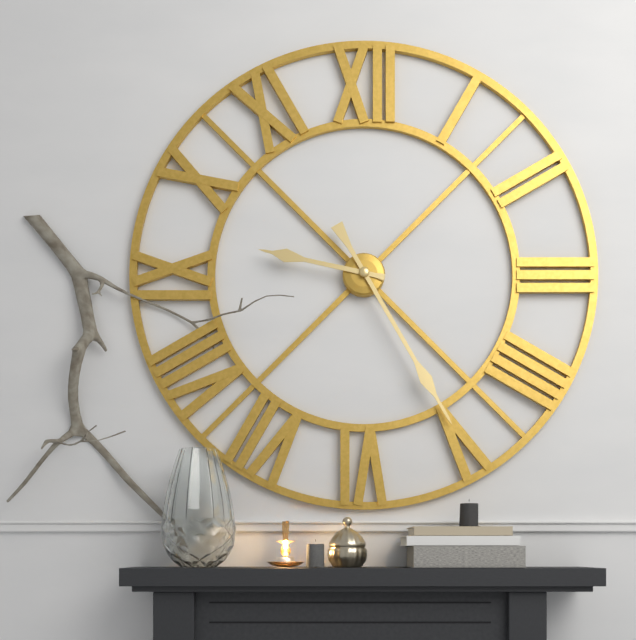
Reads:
{"hour": 9, "minute": 25}
